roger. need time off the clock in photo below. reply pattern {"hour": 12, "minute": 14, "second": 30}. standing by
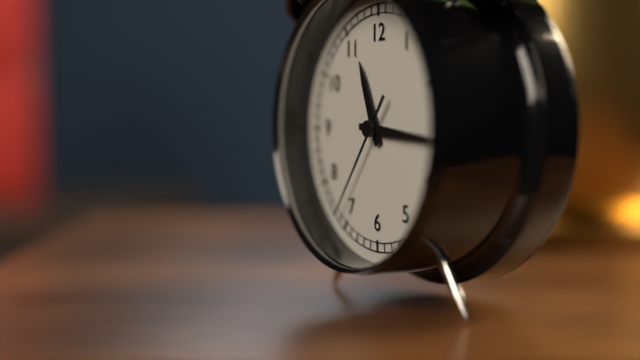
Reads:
{"hour": 11, "minute": 16, "second": 36}
